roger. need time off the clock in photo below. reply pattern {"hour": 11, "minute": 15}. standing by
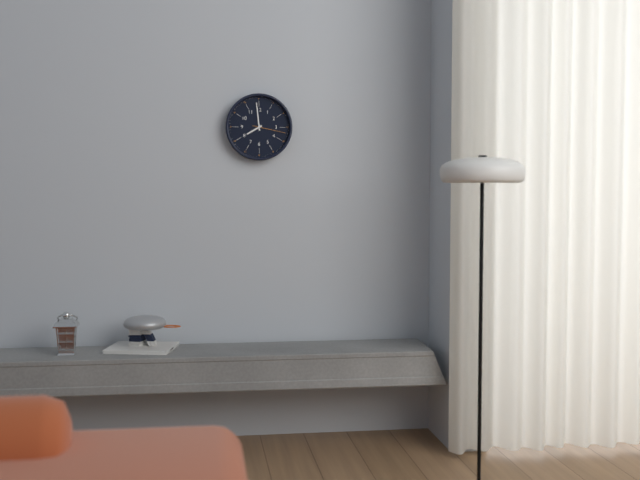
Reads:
{"hour": 7, "minute": 59}
